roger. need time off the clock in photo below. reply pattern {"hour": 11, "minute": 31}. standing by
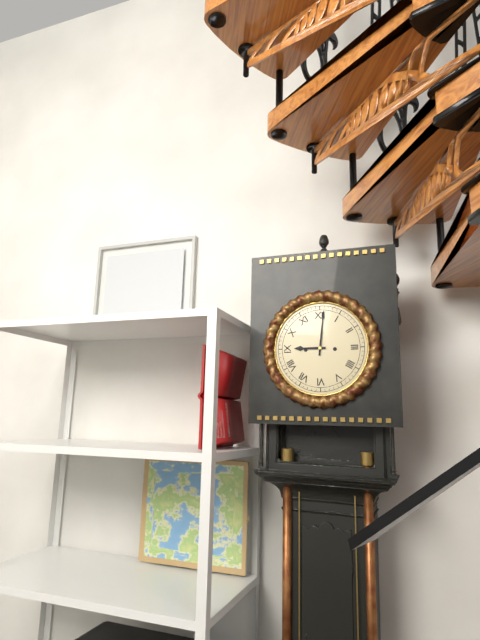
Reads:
{"hour": 9, "minute": 1}
